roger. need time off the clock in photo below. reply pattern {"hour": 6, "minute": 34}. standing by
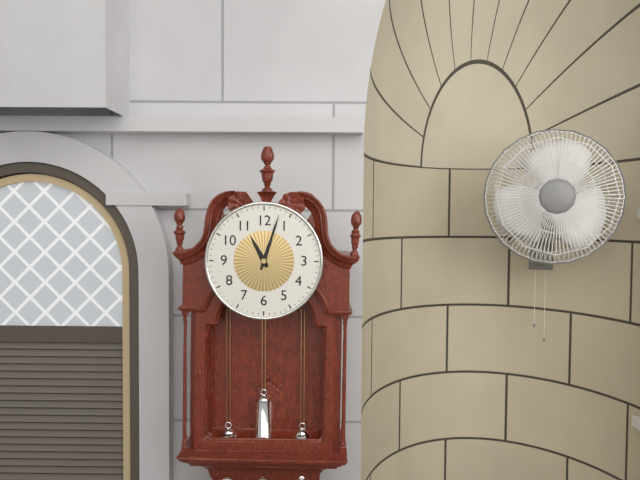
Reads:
{"hour": 11, "minute": 3}
